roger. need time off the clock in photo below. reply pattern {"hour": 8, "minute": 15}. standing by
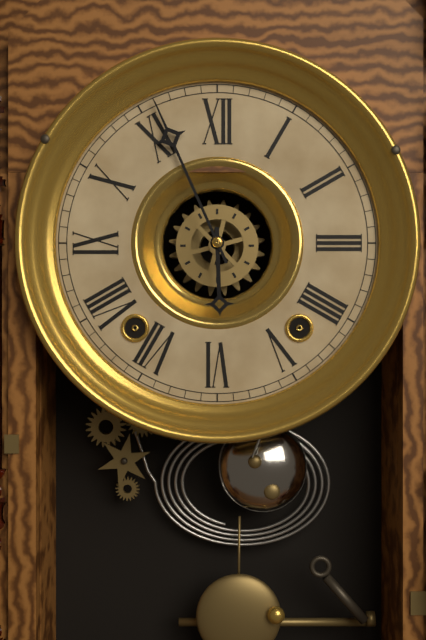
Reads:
{"hour": 5, "minute": 56}
